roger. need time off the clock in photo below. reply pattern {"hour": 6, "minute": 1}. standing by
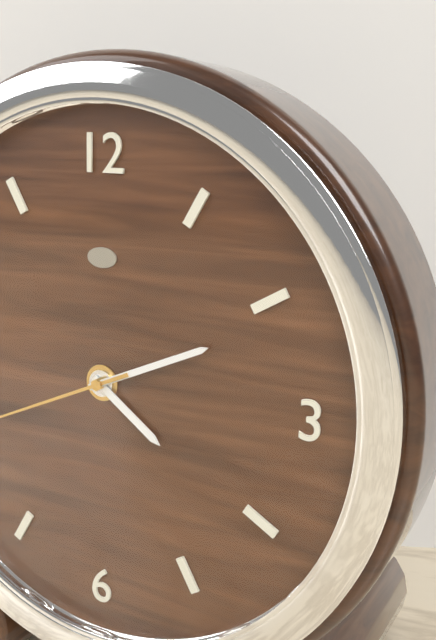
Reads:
{"hour": 4, "minute": 11}
